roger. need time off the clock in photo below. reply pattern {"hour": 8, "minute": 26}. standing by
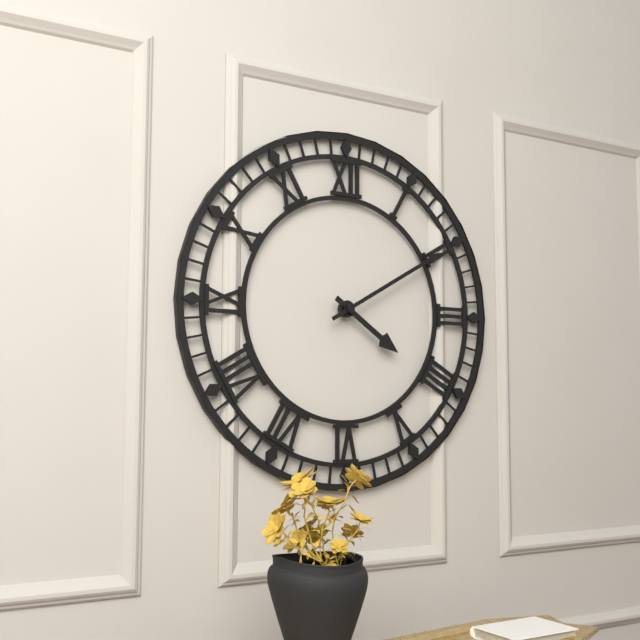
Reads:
{"hour": 4, "minute": 10}
